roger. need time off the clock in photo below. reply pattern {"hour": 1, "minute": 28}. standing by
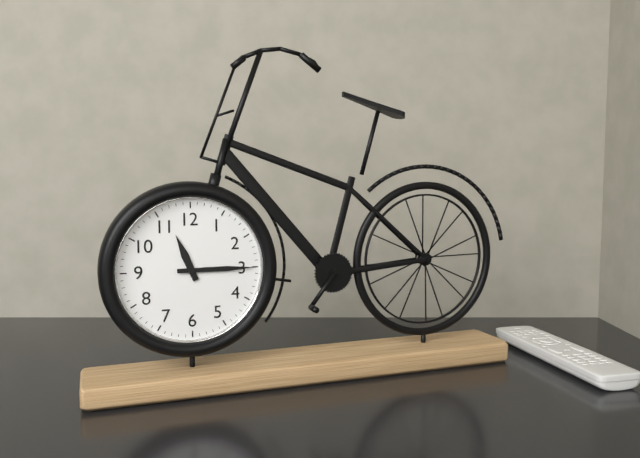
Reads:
{"hour": 11, "minute": 15}
